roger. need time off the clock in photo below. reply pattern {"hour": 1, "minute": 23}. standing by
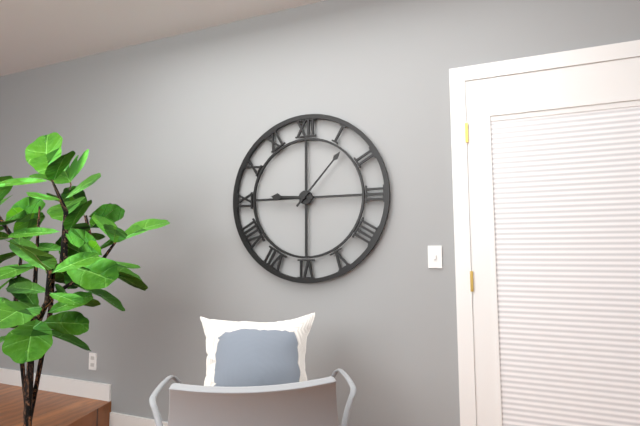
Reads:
{"hour": 9, "minute": 7}
